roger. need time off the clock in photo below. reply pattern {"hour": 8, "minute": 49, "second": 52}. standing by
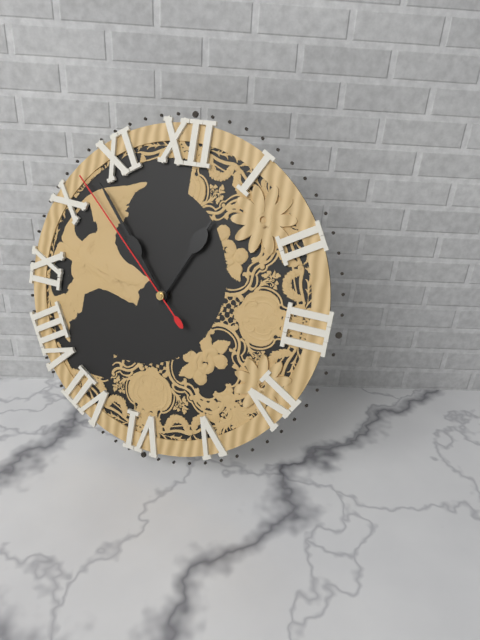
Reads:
{"hour": 12, "minute": 53, "second": 52}
